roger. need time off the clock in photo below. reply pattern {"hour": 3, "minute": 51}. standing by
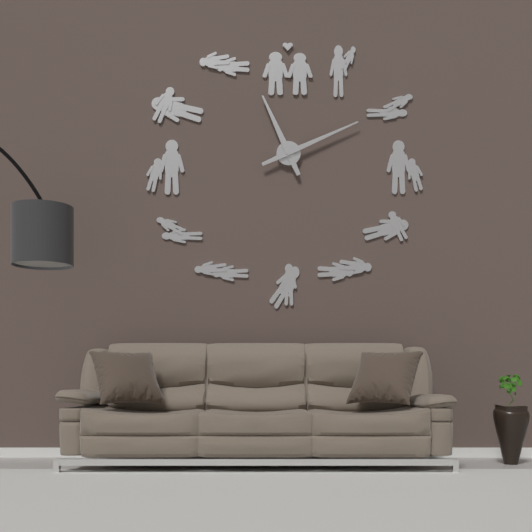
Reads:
{"hour": 11, "minute": 11}
